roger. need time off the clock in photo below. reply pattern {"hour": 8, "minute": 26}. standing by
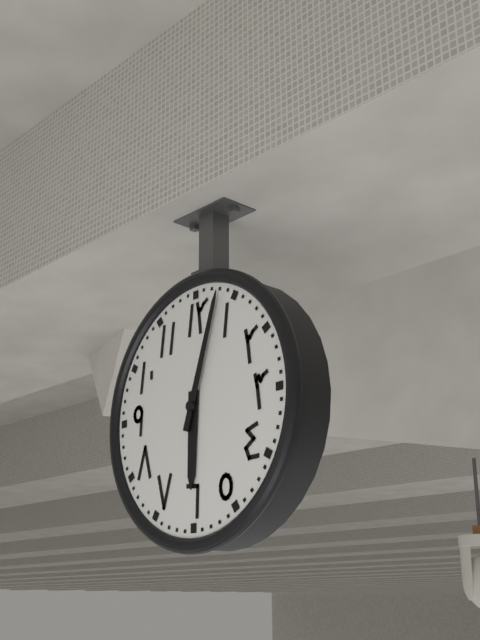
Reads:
{"hour": 6, "minute": 3}
